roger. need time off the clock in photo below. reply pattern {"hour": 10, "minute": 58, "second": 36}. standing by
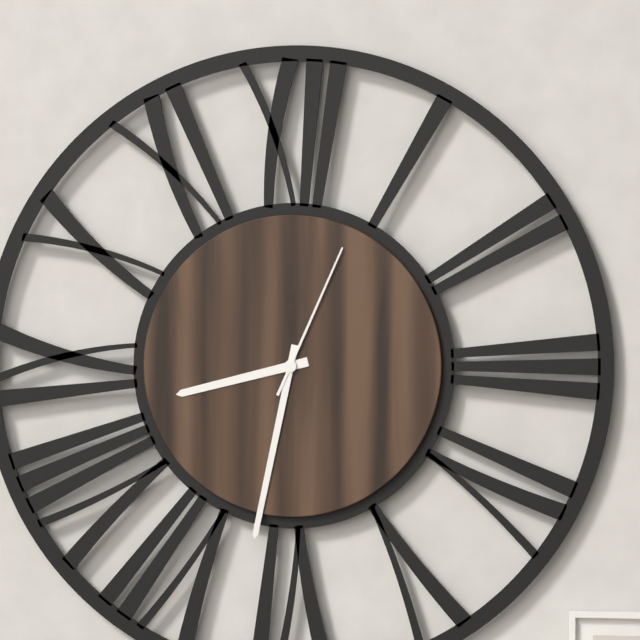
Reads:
{"hour": 8, "minute": 32, "second": 4}
